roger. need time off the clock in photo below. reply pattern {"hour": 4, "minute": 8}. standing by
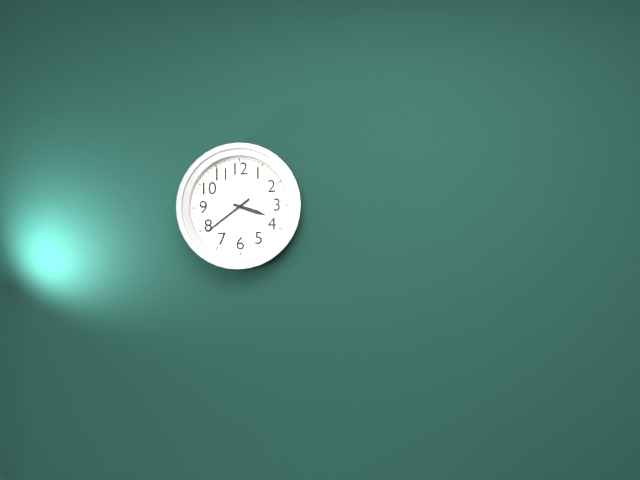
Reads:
{"hour": 3, "minute": 39}
